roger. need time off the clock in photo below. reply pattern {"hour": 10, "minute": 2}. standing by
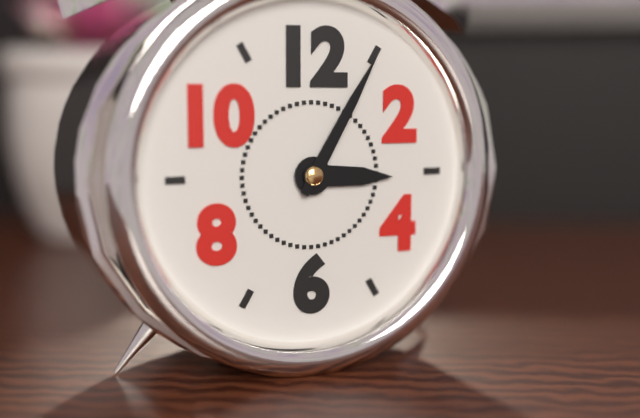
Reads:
{"hour": 3, "minute": 5}
